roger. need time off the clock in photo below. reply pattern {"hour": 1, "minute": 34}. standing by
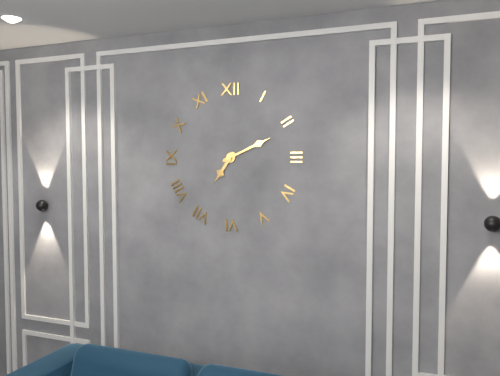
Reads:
{"hour": 7, "minute": 11}
